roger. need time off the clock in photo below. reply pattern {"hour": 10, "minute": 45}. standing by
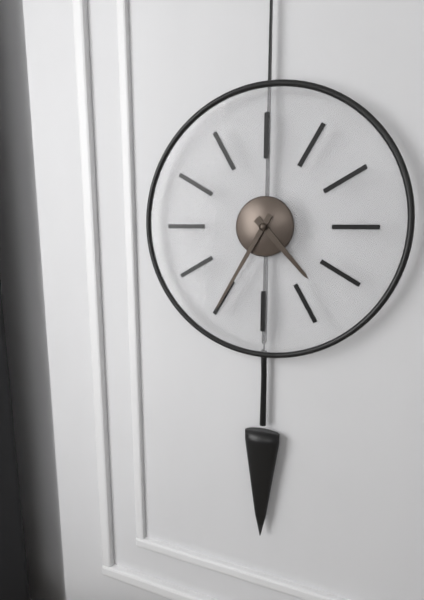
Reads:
{"hour": 4, "minute": 35}
